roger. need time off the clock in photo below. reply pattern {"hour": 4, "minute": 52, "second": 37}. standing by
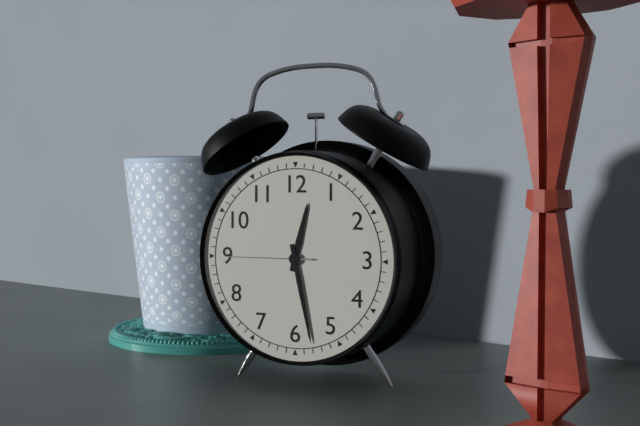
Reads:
{"hour": 12, "minute": 28, "second": 45}
